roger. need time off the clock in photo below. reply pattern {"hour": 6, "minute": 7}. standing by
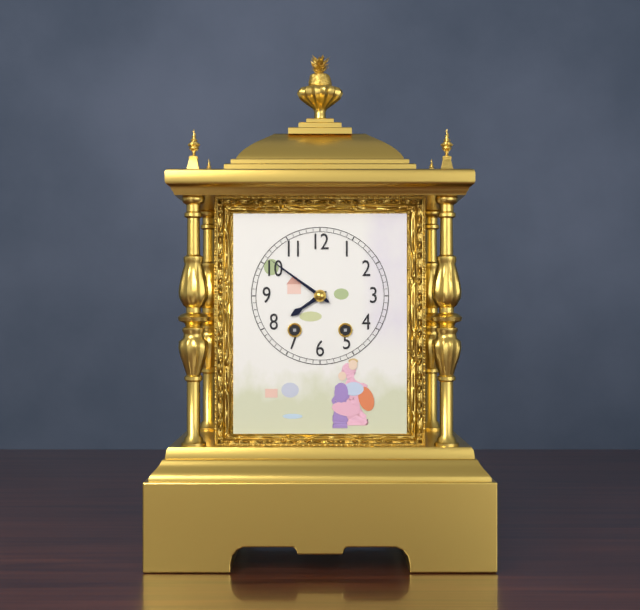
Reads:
{"hour": 7, "minute": 51}
